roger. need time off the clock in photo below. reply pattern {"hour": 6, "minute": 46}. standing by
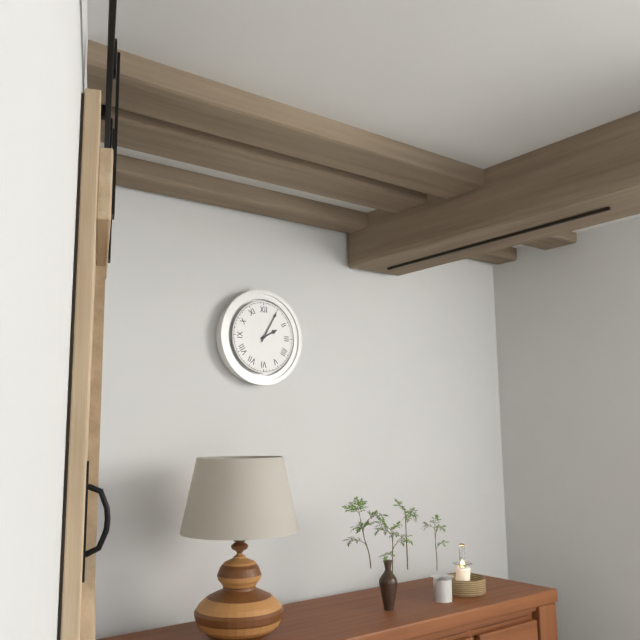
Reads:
{"hour": 2, "minute": 5}
